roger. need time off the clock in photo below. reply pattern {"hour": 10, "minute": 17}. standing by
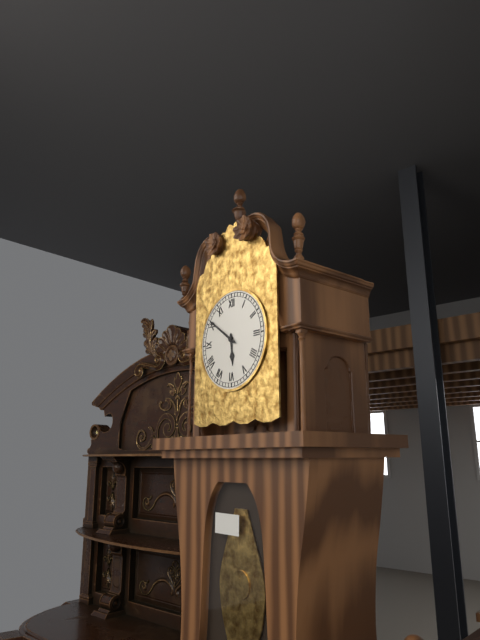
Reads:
{"hour": 5, "minute": 51}
